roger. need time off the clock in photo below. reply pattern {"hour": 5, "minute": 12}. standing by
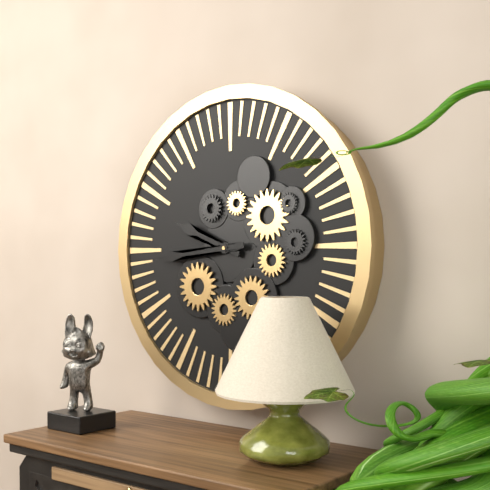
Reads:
{"hour": 9, "minute": 44}
